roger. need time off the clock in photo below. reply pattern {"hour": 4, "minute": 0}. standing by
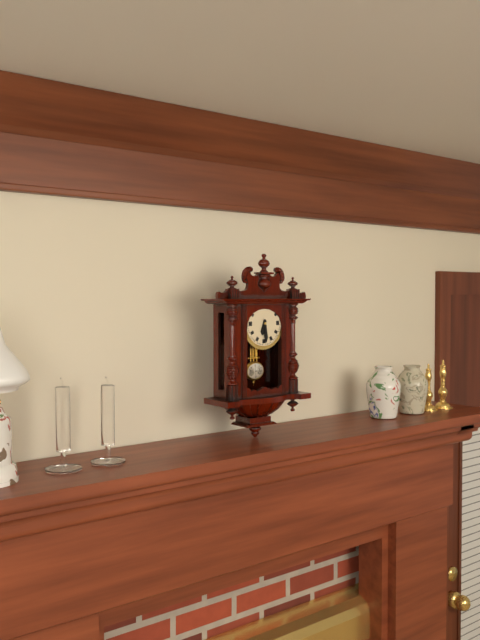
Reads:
{"hour": 6, "minute": 29}
